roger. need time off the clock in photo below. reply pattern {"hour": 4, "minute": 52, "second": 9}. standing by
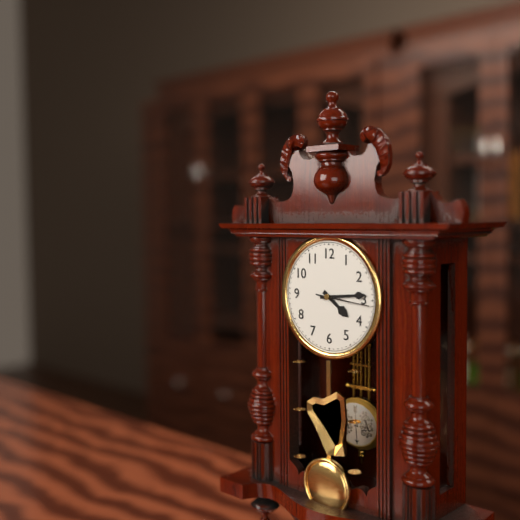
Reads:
{"hour": 4, "minute": 14, "second": 16}
